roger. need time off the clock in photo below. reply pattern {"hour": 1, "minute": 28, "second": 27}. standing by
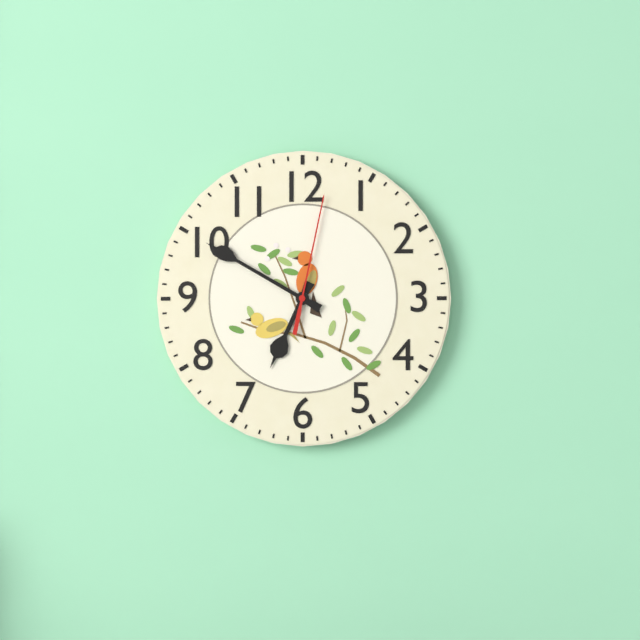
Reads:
{"hour": 6, "minute": 50, "second": 2}
